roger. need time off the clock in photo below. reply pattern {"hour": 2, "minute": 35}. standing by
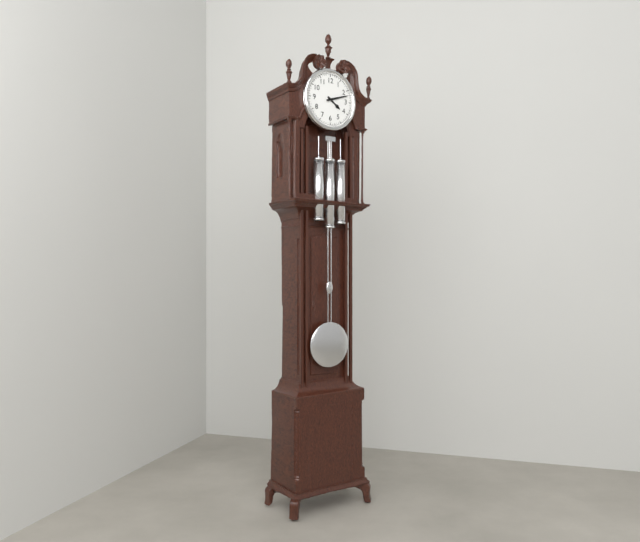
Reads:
{"hour": 4, "minute": 12}
